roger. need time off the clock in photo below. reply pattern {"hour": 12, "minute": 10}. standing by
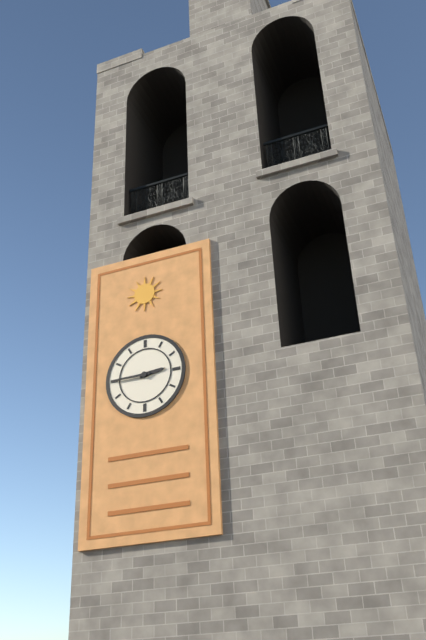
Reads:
{"hour": 2, "minute": 45}
